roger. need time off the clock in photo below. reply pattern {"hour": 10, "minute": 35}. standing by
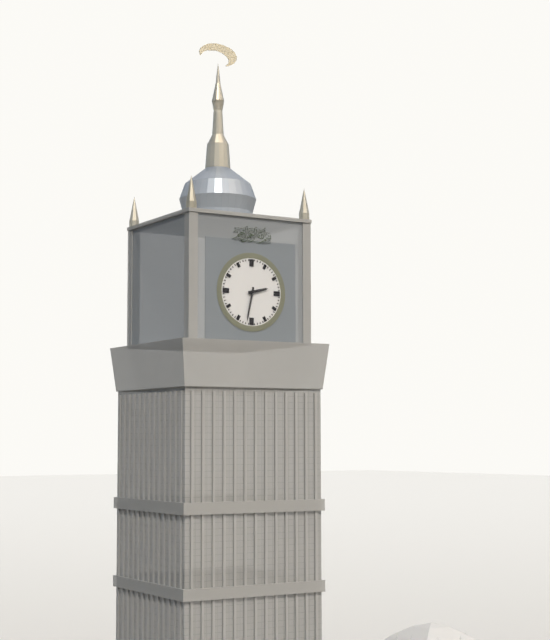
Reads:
{"hour": 2, "minute": 32}
